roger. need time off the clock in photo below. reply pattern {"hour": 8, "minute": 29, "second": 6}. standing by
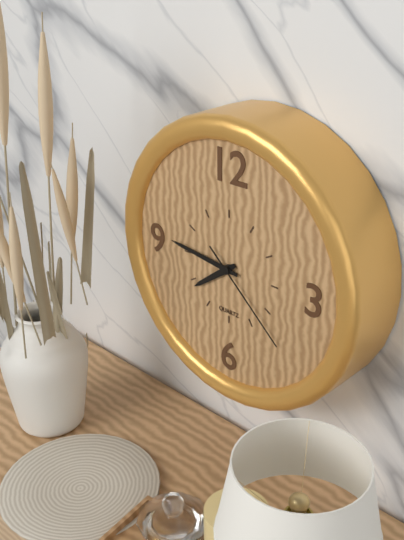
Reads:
{"hour": 7, "minute": 46, "second": 22}
